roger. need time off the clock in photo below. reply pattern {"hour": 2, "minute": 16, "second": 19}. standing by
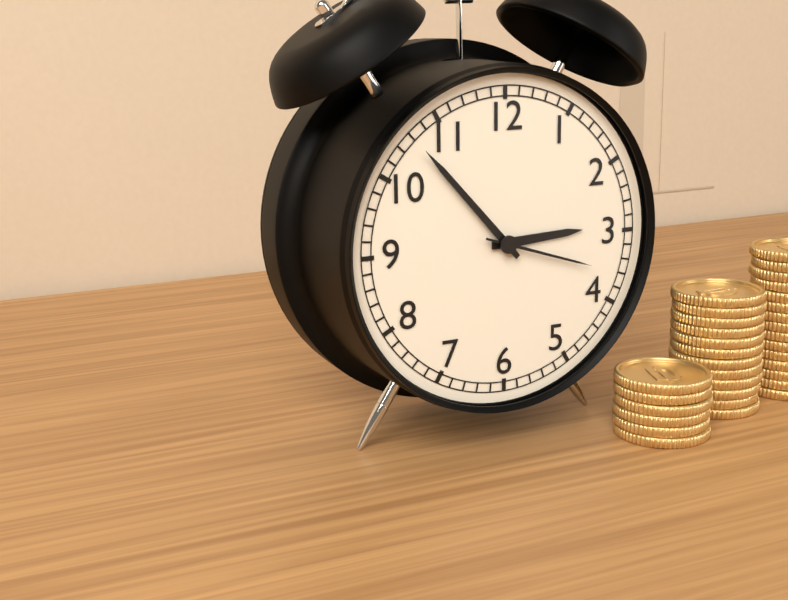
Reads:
{"hour": 2, "minute": 53, "second": 18}
